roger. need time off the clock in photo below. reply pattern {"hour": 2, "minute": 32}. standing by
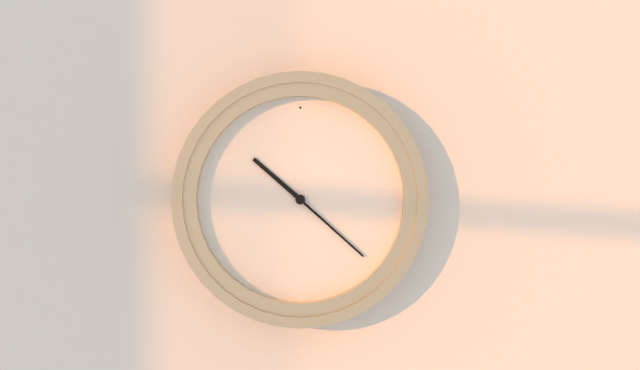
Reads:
{"hour": 10, "minute": 22}
